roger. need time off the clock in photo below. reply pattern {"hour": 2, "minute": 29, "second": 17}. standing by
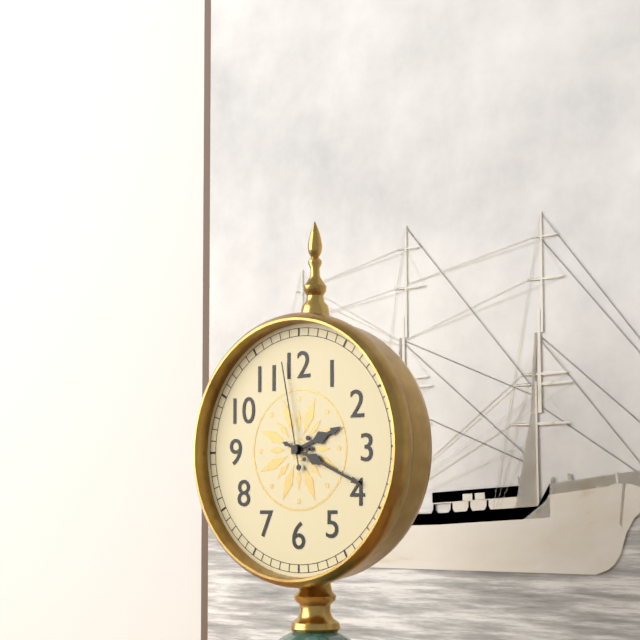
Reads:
{"hour": 2, "minute": 19, "second": 58}
